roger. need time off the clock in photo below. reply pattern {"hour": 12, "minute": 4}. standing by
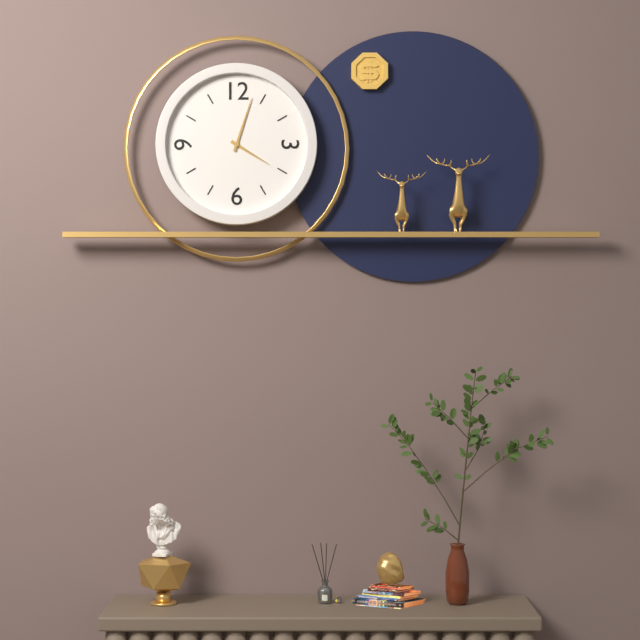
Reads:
{"hour": 4, "minute": 3}
